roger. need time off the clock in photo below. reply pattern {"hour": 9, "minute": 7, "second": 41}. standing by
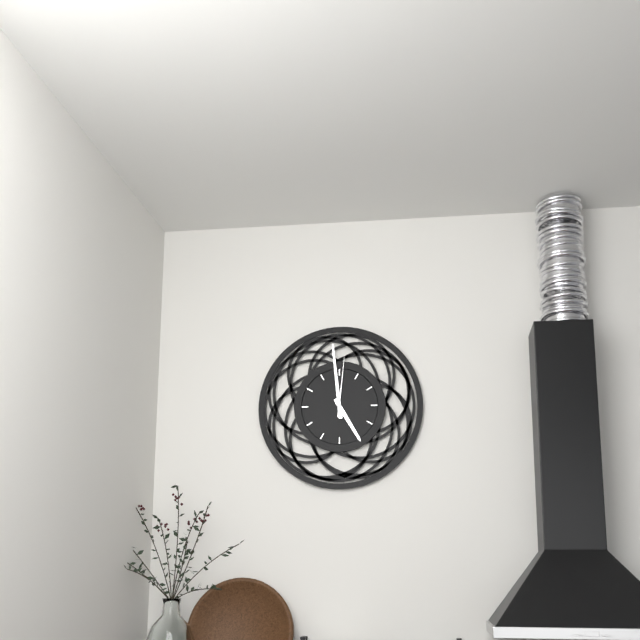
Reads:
{"hour": 4, "minute": 59, "second": 1}
